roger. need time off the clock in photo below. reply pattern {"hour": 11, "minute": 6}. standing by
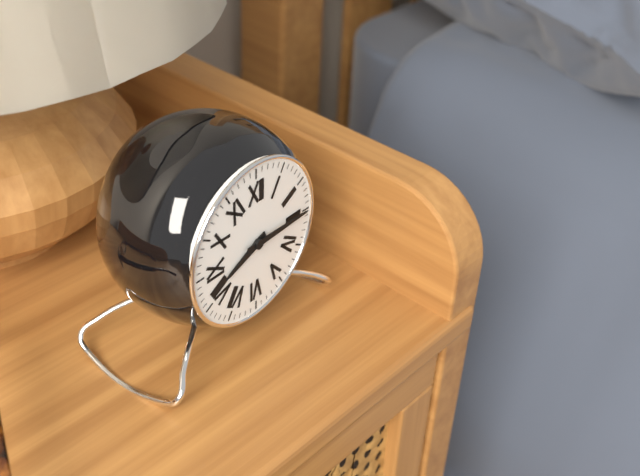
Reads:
{"hour": 8, "minute": 15}
